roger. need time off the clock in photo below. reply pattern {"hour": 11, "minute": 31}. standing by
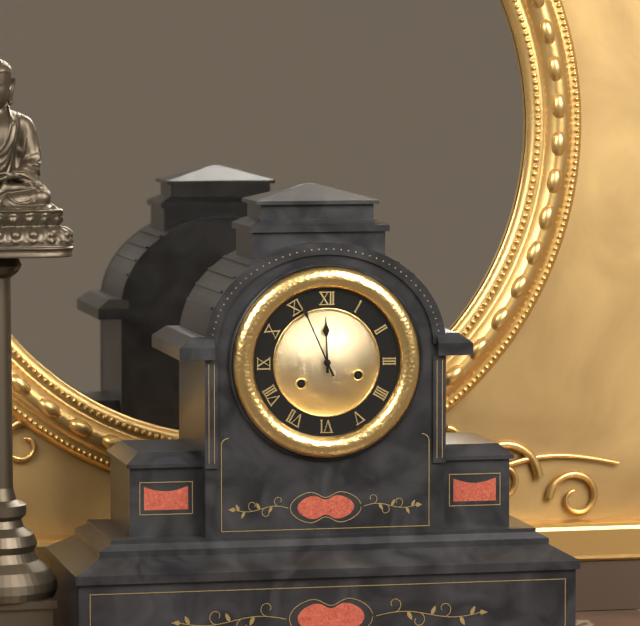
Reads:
{"hour": 11, "minute": 56}
